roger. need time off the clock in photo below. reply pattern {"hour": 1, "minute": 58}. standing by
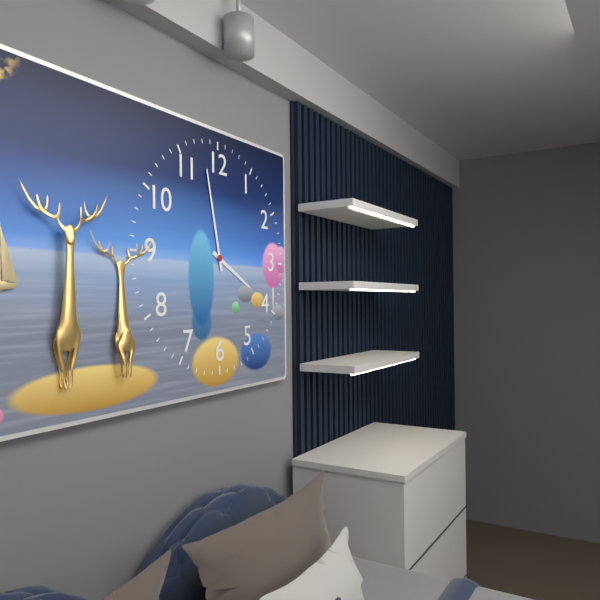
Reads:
{"hour": 3, "minute": 58}
